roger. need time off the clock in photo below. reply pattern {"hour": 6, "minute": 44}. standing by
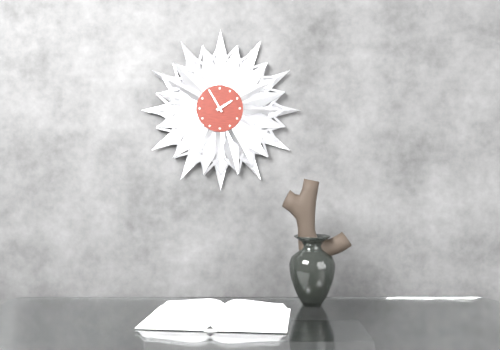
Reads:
{"hour": 1, "minute": 55}
